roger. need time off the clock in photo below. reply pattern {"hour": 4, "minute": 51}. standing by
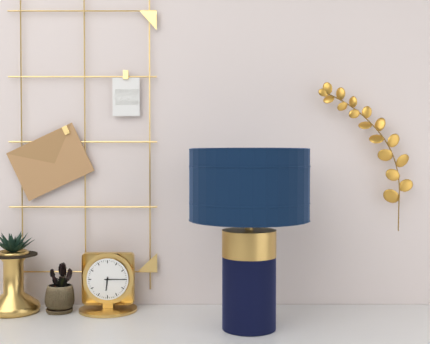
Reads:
{"hour": 6, "minute": 15}
